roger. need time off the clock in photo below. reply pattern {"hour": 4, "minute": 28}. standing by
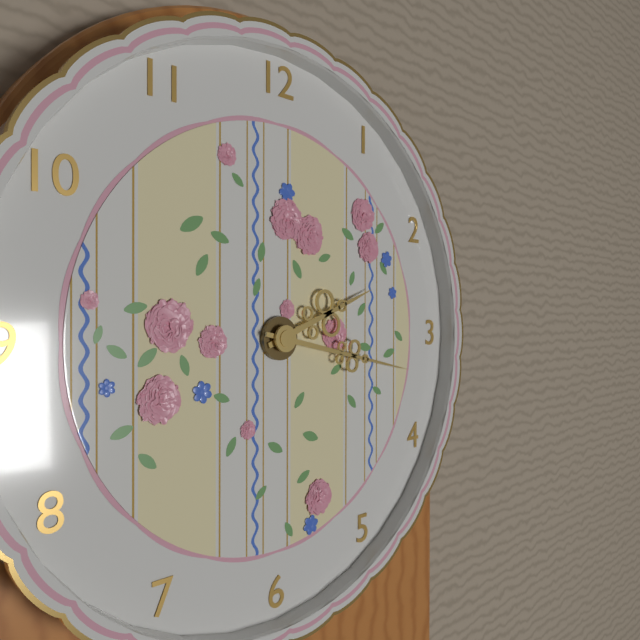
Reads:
{"hour": 2, "minute": 17}
